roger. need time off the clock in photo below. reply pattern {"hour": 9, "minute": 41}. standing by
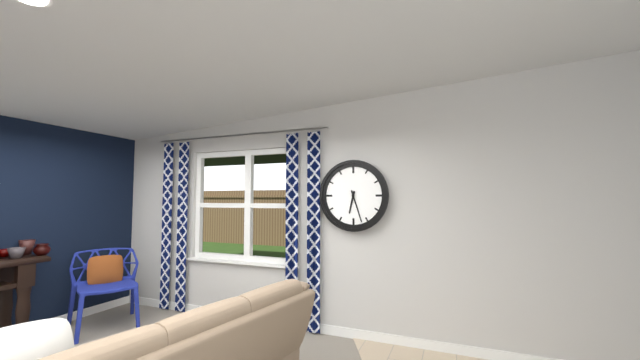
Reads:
{"hour": 6, "minute": 27}
